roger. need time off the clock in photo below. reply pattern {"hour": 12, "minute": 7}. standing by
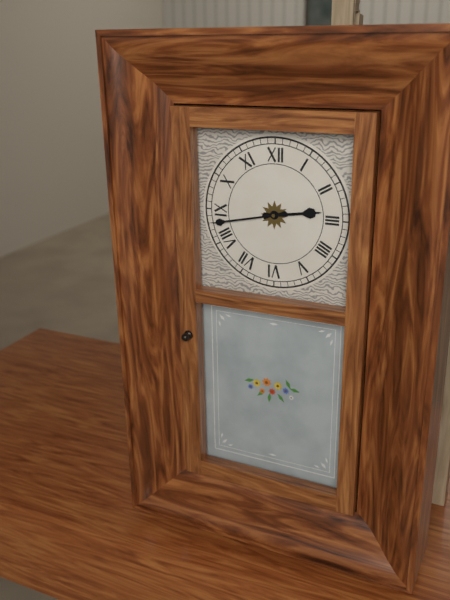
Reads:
{"hour": 2, "minute": 43}
